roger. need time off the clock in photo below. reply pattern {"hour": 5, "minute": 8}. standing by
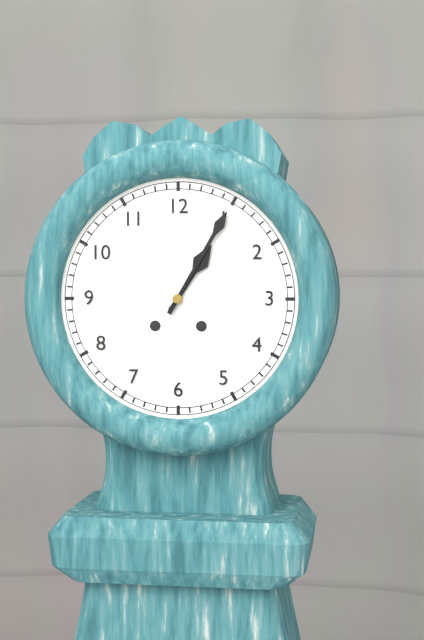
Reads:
{"hour": 1, "minute": 5}
